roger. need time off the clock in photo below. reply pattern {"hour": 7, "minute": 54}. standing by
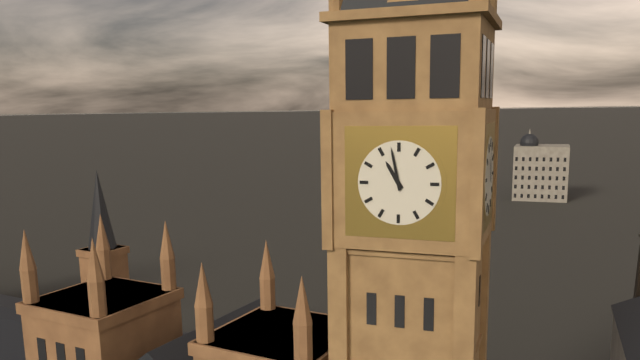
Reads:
{"hour": 10, "minute": 58}
